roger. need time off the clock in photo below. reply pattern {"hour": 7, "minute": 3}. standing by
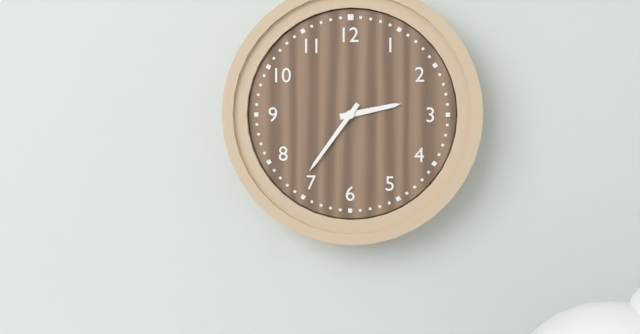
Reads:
{"hour": 2, "minute": 36}
